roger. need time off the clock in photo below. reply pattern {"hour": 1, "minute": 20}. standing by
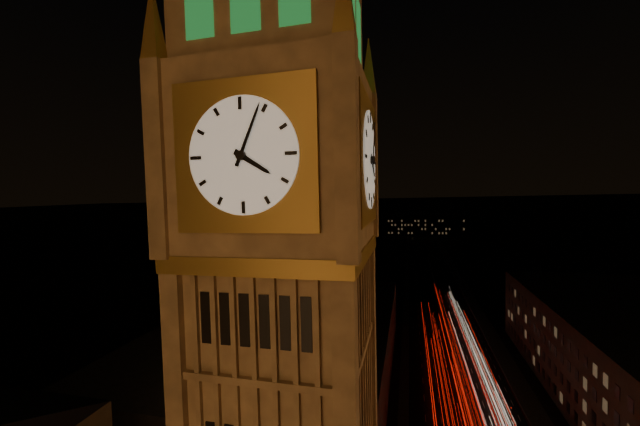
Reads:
{"hour": 4, "minute": 4}
